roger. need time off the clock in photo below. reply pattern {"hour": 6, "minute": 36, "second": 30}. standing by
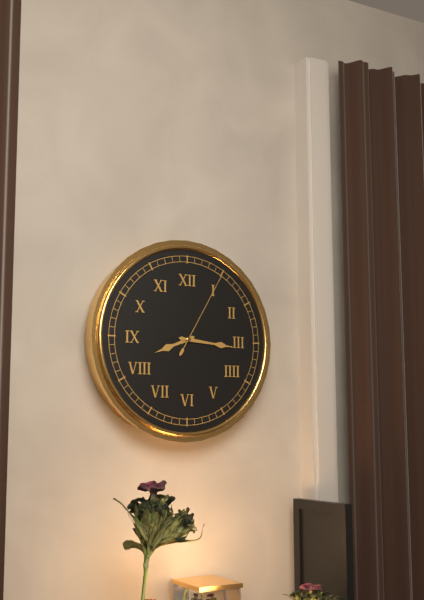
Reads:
{"hour": 8, "minute": 16, "second": 5}
